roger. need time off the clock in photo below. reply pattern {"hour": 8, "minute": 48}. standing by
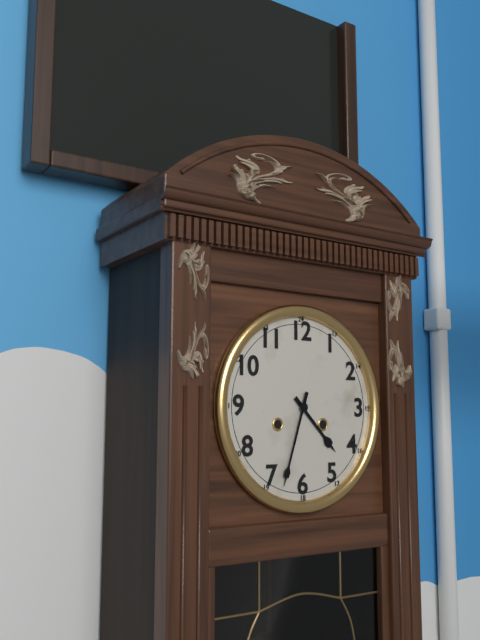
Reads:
{"hour": 4, "minute": 33}
